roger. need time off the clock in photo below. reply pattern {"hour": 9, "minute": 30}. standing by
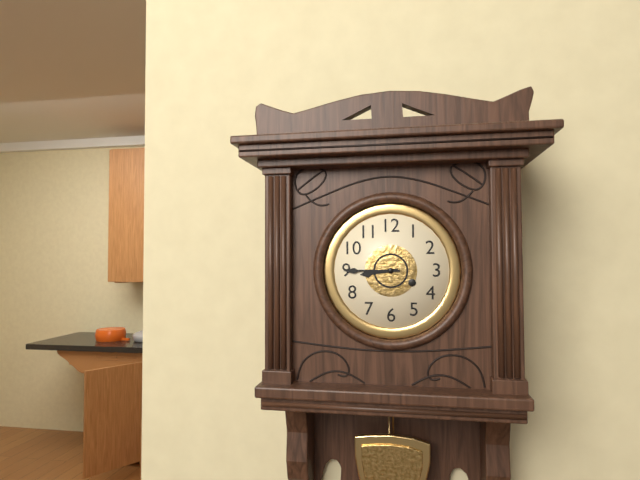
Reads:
{"hour": 8, "minute": 45}
